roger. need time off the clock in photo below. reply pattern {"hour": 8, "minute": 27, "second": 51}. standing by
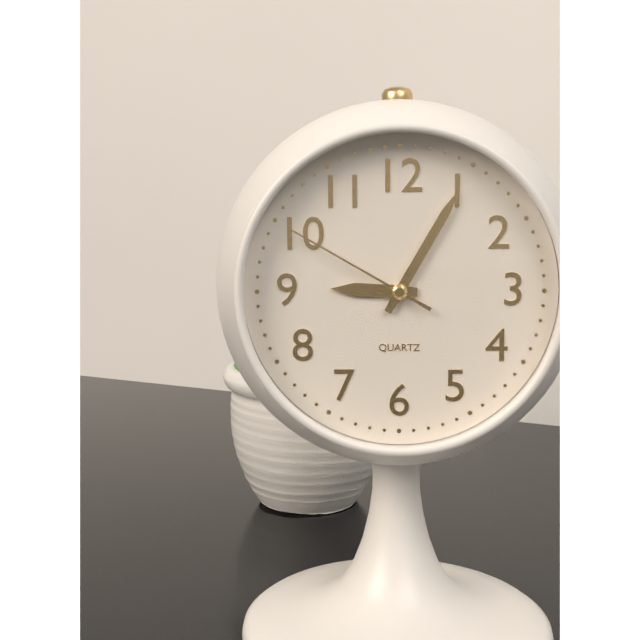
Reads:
{"hour": 9, "minute": 5, "second": 50}
